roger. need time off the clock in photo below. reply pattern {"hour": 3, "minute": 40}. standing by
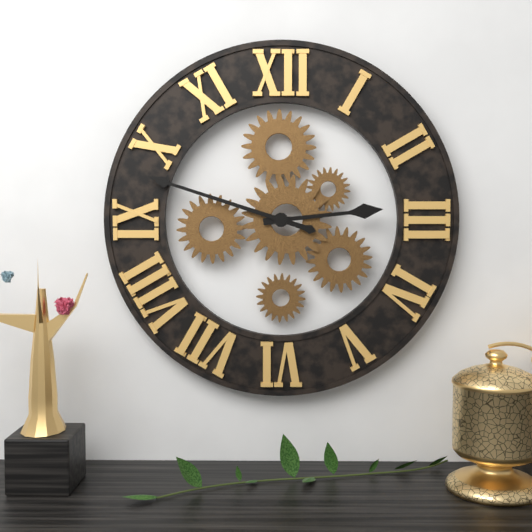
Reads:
{"hour": 2, "minute": 48}
